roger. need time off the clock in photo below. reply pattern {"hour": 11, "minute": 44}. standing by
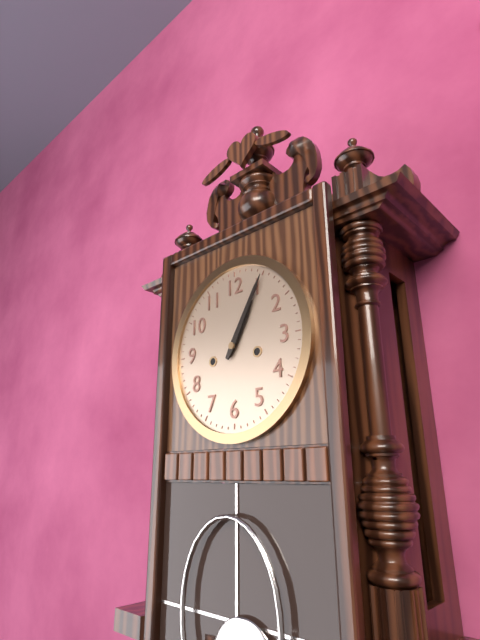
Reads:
{"hour": 1, "minute": 5}
